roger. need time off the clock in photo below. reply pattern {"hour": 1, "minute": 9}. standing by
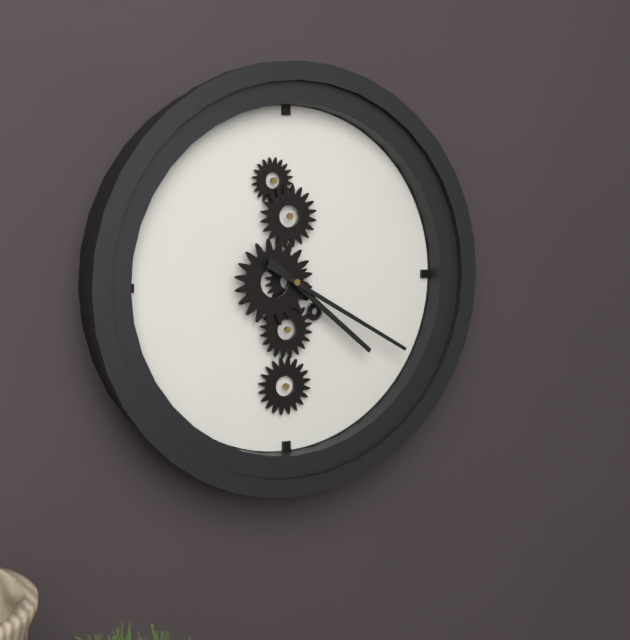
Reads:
{"hour": 4, "minute": 20}
